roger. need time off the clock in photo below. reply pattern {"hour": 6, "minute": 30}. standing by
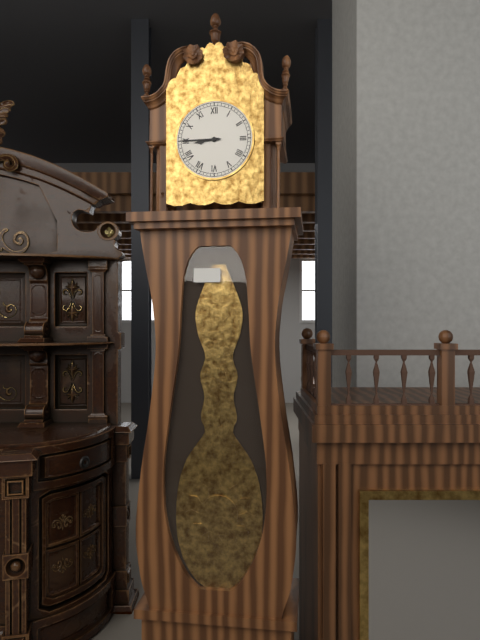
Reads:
{"hour": 8, "minute": 45}
